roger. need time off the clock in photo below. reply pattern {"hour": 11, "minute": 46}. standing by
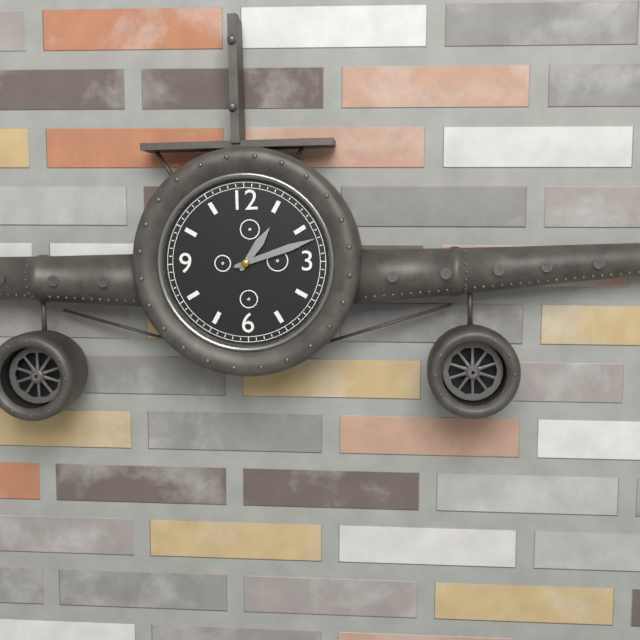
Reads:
{"hour": 1, "minute": 12}
